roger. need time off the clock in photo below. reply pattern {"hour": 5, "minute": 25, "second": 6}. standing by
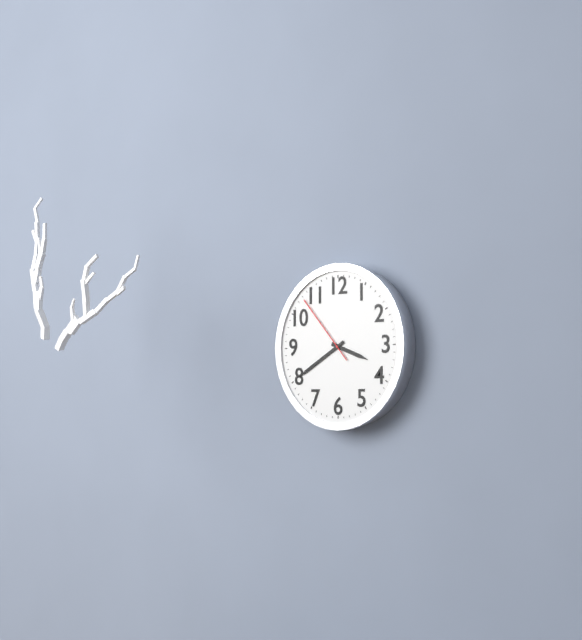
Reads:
{"hour": 3, "minute": 40, "second": 53}
